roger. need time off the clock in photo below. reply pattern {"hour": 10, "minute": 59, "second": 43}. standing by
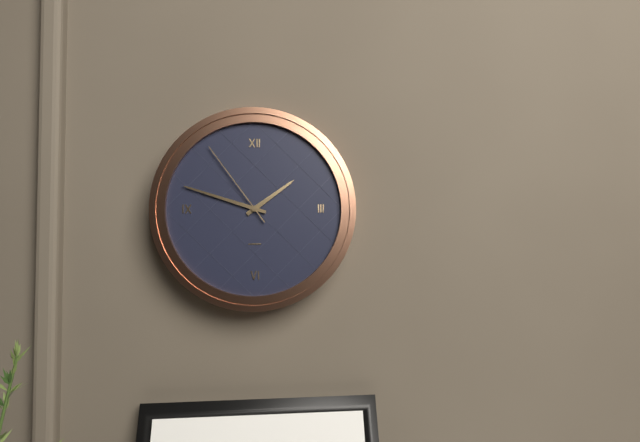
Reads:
{"hour": 1, "minute": 48, "second": 54}
